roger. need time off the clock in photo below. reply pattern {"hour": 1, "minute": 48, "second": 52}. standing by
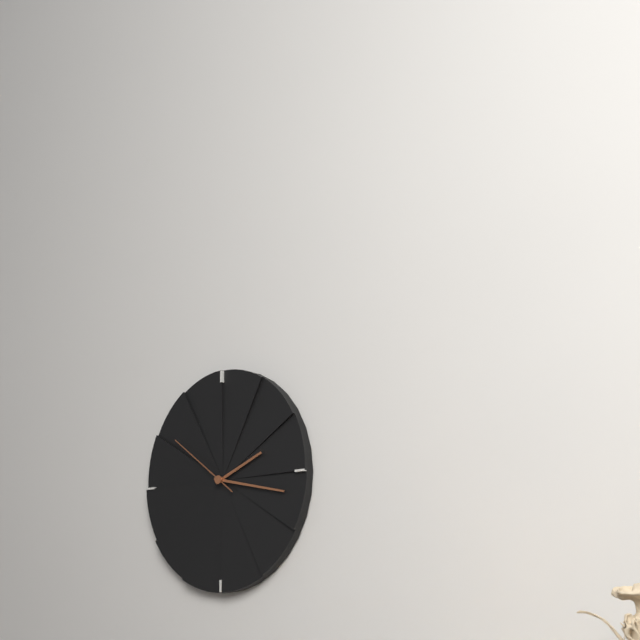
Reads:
{"hour": 2, "minute": 17, "second": 51}
